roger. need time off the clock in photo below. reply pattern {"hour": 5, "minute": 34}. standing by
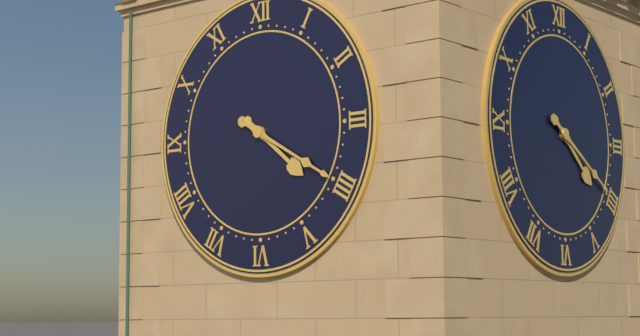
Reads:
{"hour": 4, "minute": 20}
